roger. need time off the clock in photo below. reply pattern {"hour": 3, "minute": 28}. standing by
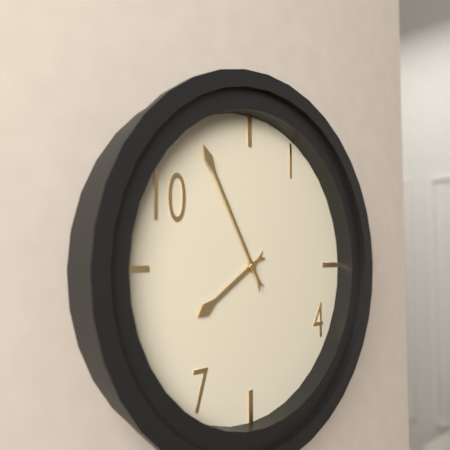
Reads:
{"hour": 7, "minute": 55}
